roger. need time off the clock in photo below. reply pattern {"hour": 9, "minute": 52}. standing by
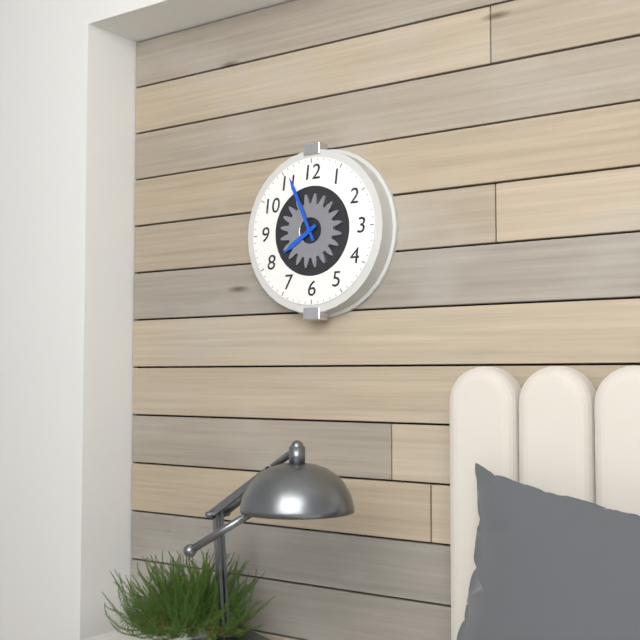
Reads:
{"hour": 7, "minute": 56}
